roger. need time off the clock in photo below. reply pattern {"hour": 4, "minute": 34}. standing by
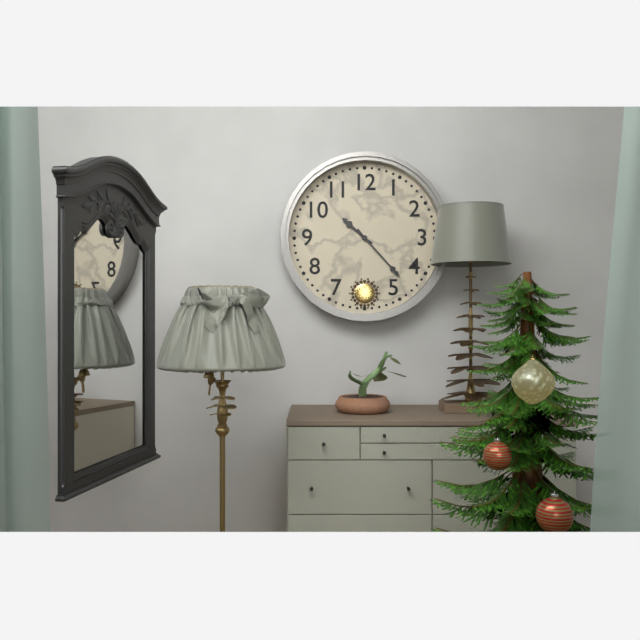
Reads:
{"hour": 10, "minute": 23}
